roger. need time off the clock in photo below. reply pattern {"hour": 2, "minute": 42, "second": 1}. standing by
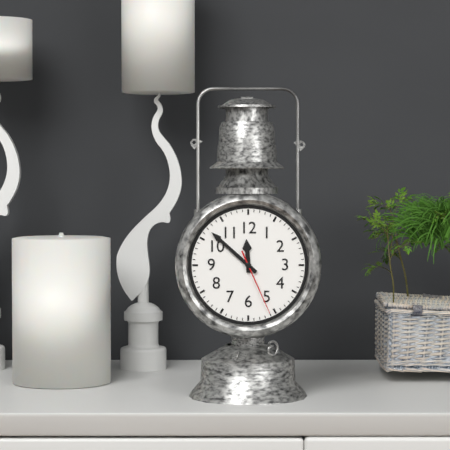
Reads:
{"hour": 11, "minute": 52, "second": 26}
